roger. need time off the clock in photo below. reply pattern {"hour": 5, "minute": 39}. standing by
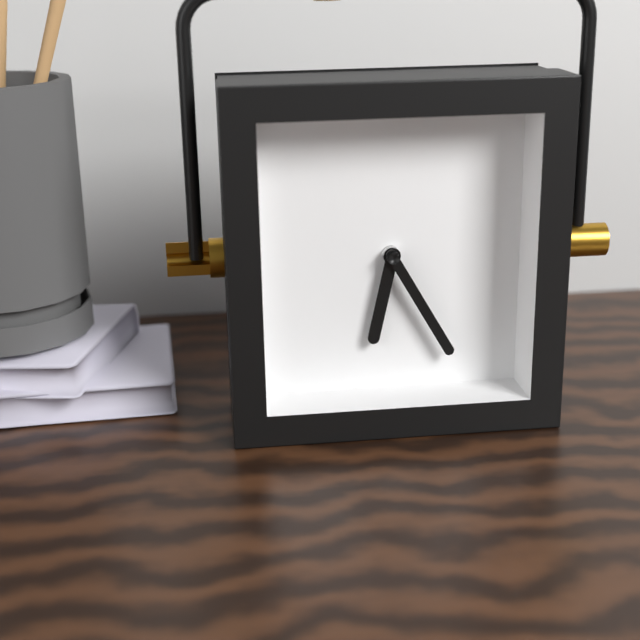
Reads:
{"hour": 6, "minute": 25}
